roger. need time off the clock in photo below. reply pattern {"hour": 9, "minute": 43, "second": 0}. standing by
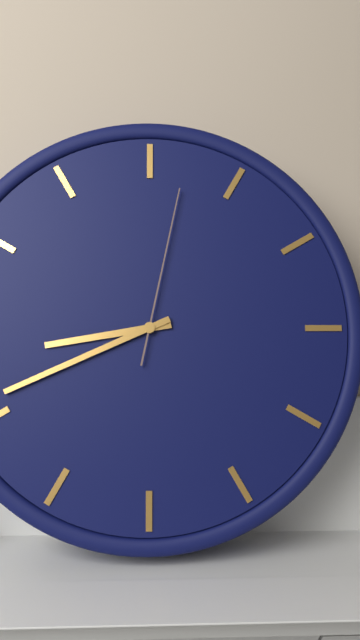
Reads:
{"hour": 8, "minute": 41, "second": 2}
